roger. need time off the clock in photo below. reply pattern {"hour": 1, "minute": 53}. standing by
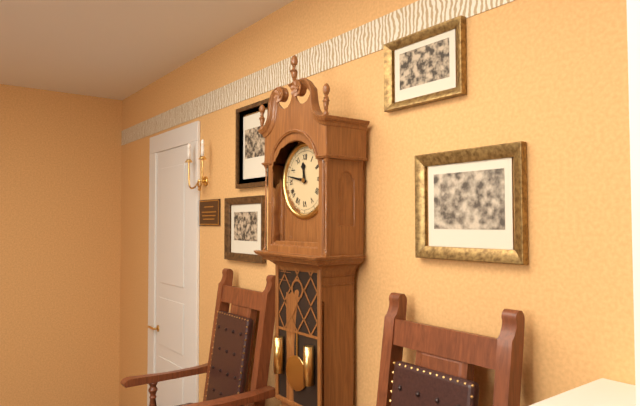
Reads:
{"hour": 11, "minute": 47}
